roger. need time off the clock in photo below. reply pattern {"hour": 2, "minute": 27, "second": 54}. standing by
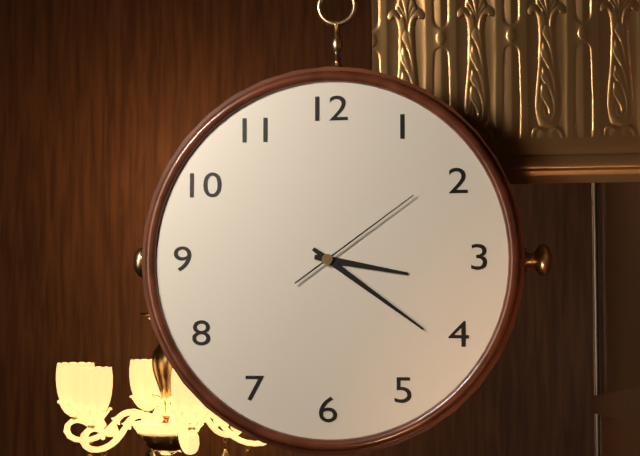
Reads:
{"hour": 3, "minute": 21, "second": 9}
